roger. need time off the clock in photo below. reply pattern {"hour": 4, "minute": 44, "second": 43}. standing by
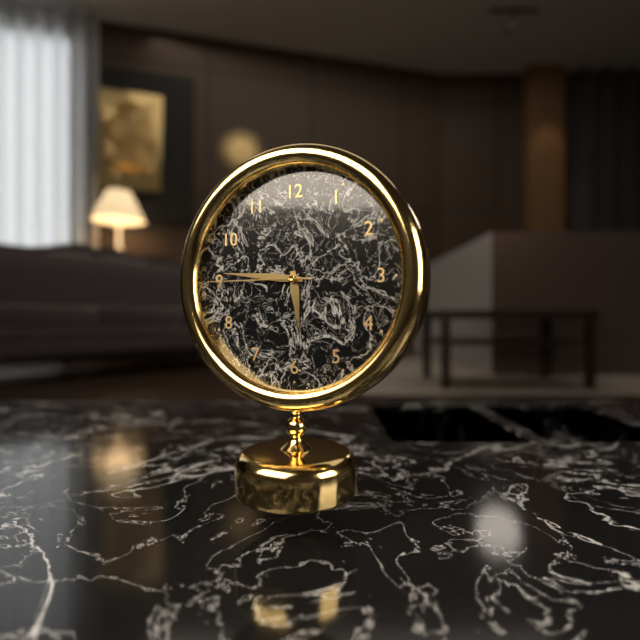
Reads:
{"hour": 5, "minute": 46, "second": 45}
